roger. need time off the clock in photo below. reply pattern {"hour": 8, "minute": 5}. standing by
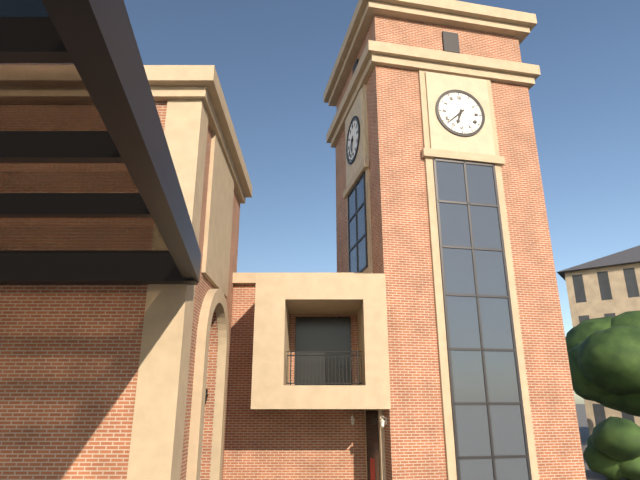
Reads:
{"hour": 6, "minute": 38}
